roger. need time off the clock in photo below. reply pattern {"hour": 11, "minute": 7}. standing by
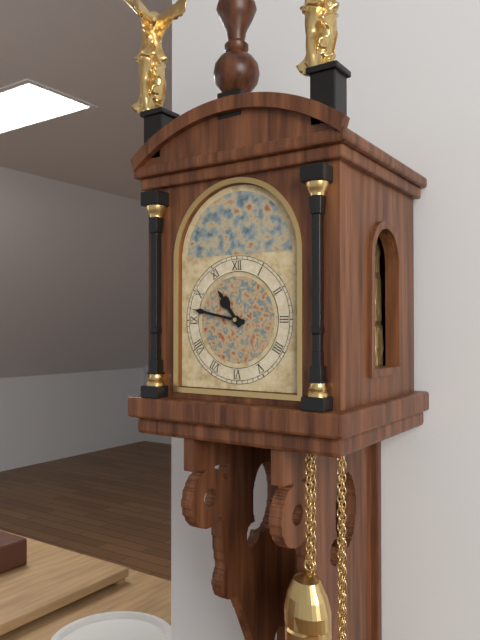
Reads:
{"hour": 10, "minute": 47}
